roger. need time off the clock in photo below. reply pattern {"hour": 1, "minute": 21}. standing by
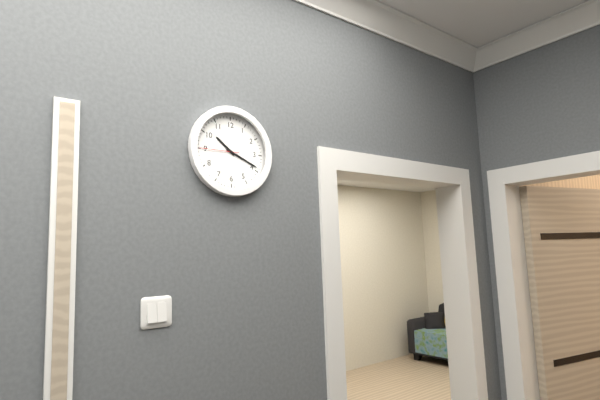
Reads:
{"hour": 10, "minute": 19}
